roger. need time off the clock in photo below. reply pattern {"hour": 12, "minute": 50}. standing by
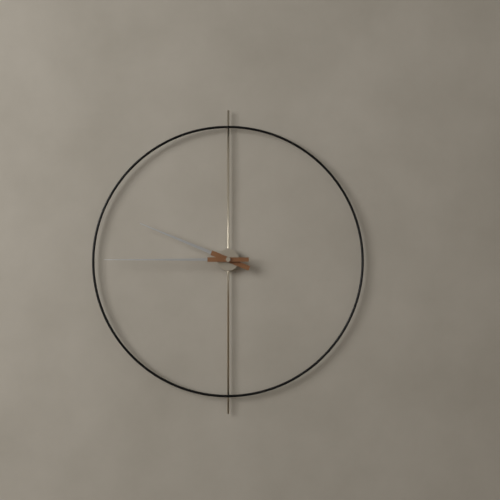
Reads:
{"hour": 9, "minute": 45}
